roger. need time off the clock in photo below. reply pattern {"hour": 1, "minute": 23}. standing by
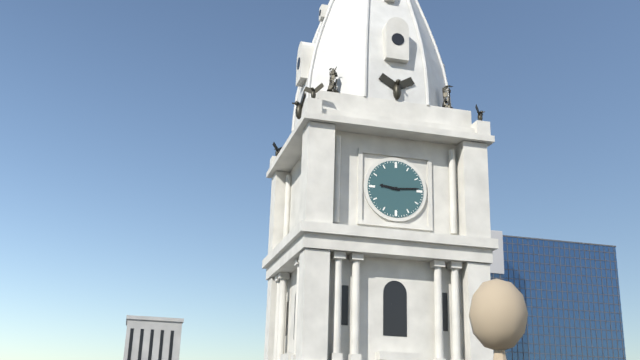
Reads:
{"hour": 9, "minute": 14}
